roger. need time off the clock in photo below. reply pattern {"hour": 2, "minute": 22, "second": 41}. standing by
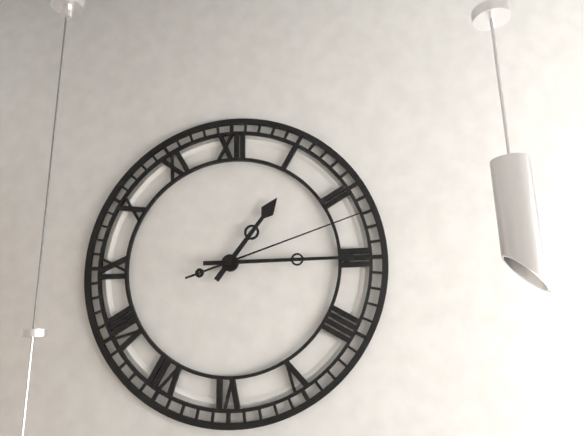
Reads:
{"hour": 1, "minute": 15, "second": 12}
